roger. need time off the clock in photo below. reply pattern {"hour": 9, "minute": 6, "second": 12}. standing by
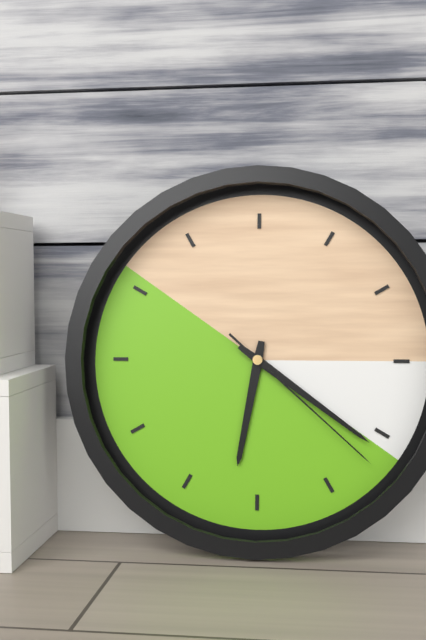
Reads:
{"hour": 6, "minute": 21, "second": 22}
